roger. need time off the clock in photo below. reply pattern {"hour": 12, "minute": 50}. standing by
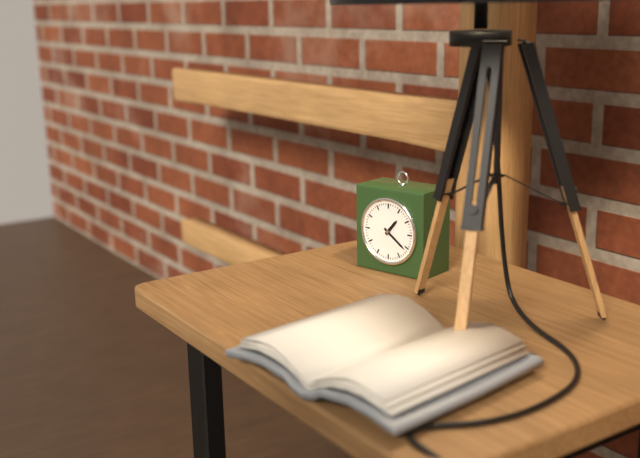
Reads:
{"hour": 1, "minute": 21}
